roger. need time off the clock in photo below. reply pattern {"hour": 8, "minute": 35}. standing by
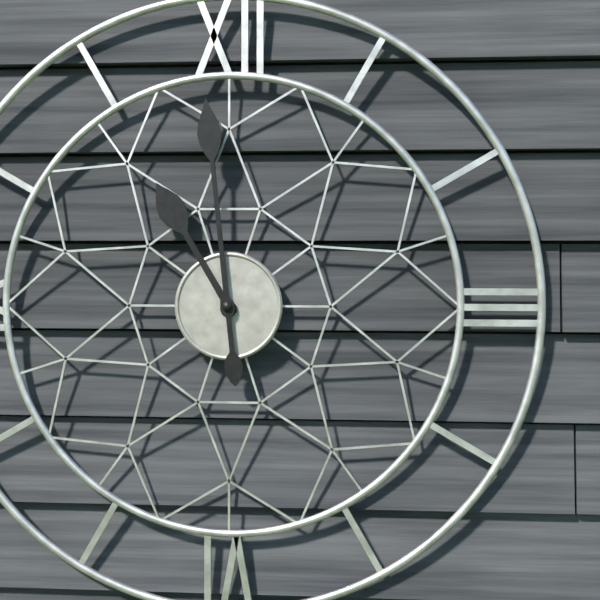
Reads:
{"hour": 10, "minute": 59}
